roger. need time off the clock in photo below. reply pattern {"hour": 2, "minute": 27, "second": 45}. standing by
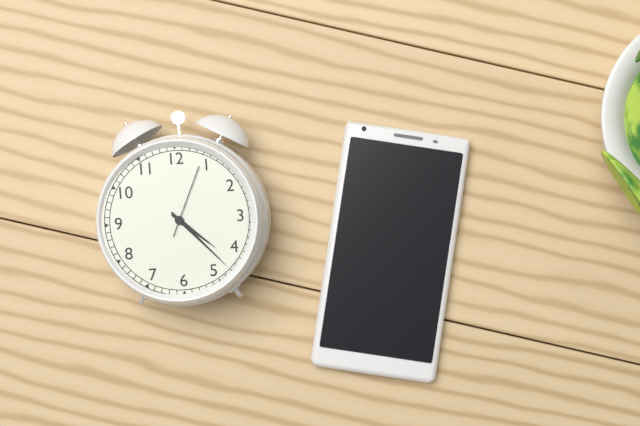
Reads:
{"hour": 4, "minute": 23, "second": 4}
